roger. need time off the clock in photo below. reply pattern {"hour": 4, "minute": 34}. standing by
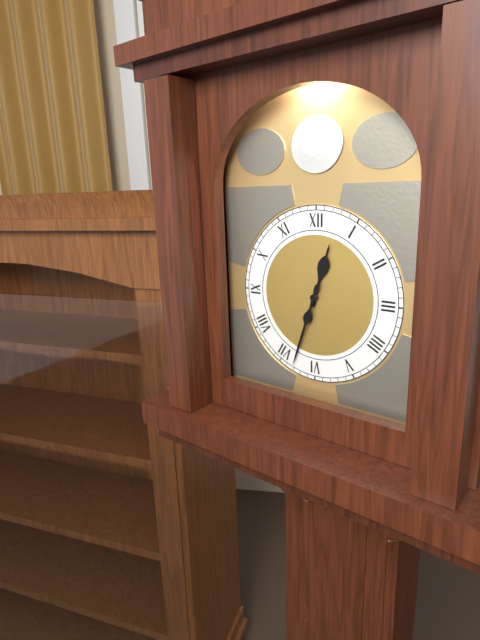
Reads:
{"hour": 12, "minute": 33}
